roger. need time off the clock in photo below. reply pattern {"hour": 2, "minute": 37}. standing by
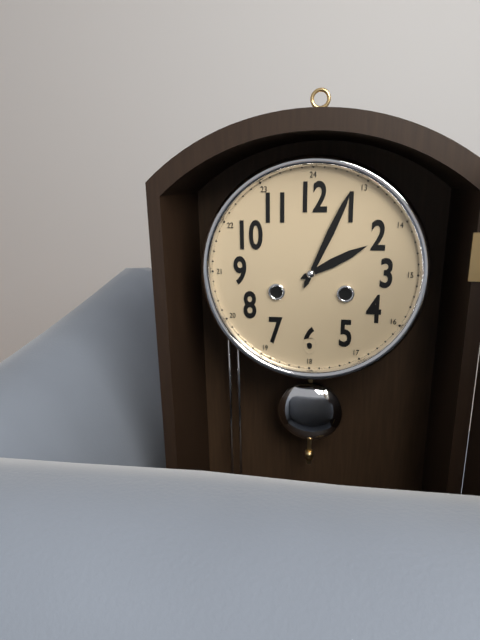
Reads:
{"hour": 2, "minute": 4}
